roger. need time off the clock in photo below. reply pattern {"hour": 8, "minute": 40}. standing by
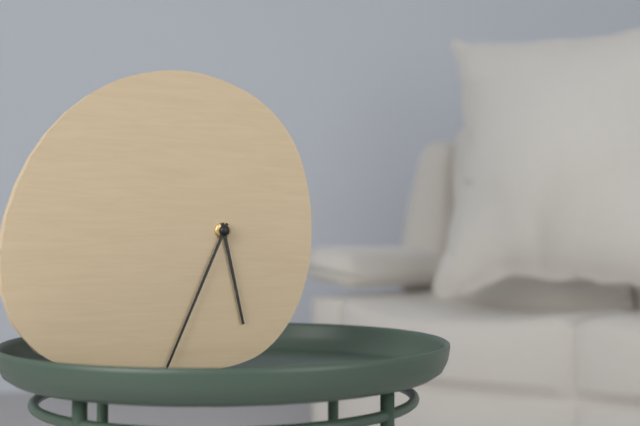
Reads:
{"hour": 5, "minute": 34}
